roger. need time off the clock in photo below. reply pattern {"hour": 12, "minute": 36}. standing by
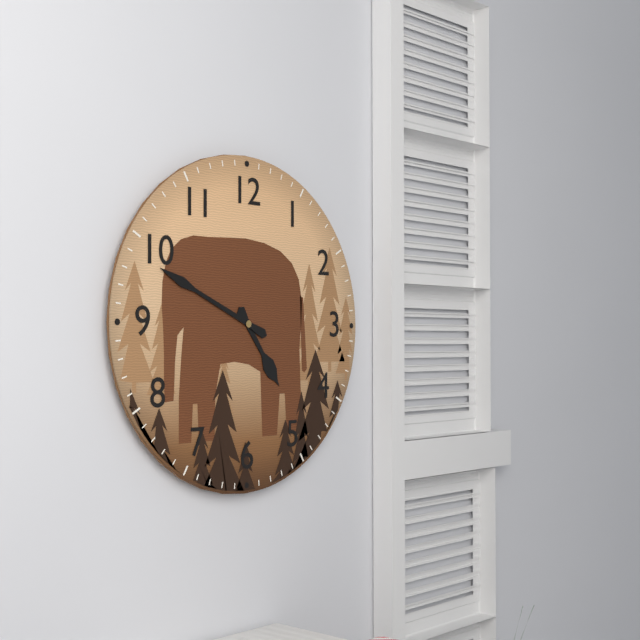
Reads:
{"hour": 4, "minute": 49}
